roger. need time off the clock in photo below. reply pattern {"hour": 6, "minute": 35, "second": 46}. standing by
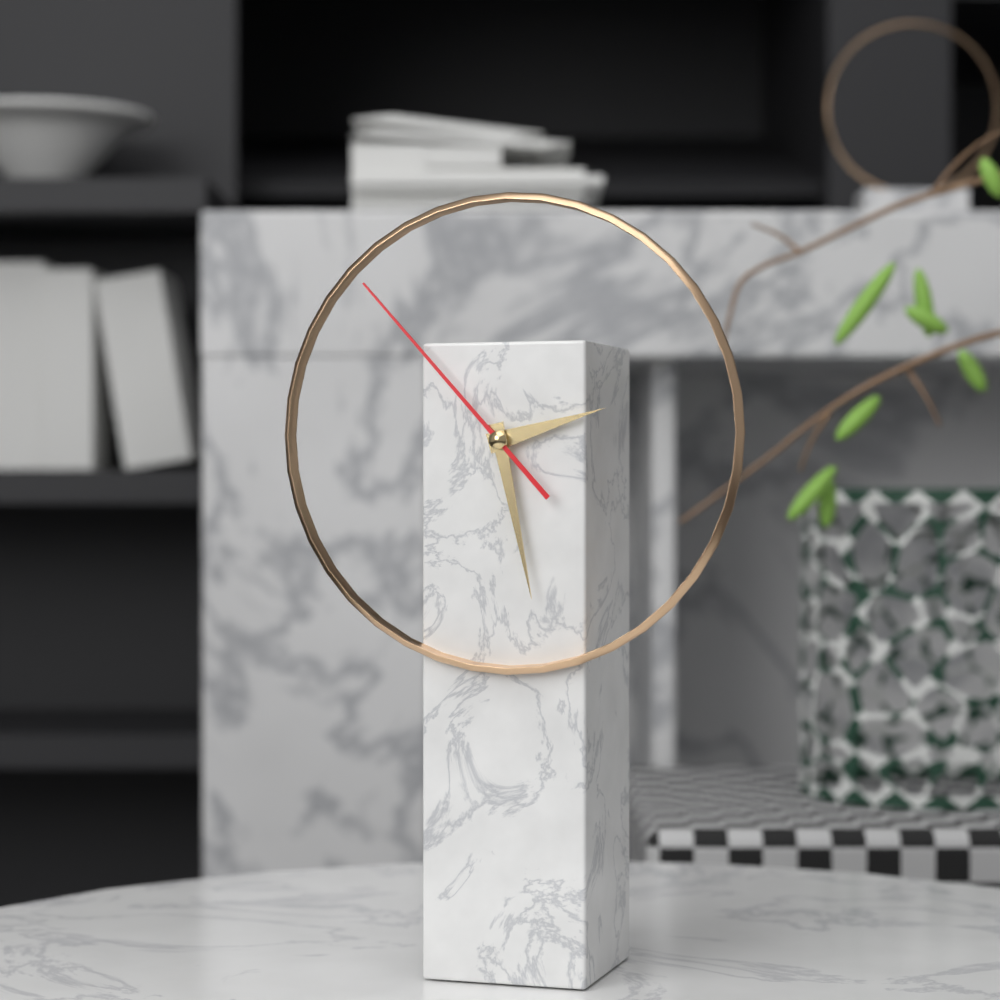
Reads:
{"hour": 2, "minute": 28, "second": 53}
